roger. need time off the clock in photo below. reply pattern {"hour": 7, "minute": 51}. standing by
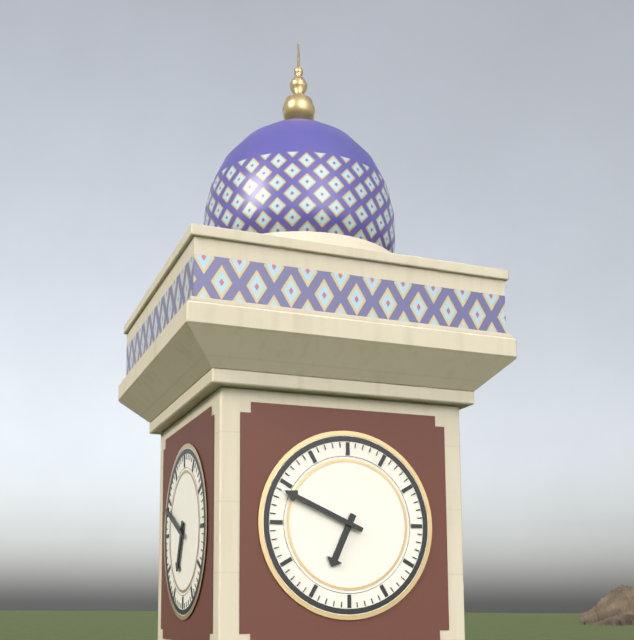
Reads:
{"hour": 6, "minute": 49}
